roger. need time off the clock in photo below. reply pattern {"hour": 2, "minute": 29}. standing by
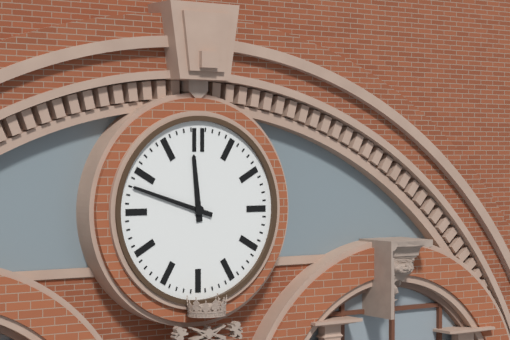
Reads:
{"hour": 11, "minute": 48}
